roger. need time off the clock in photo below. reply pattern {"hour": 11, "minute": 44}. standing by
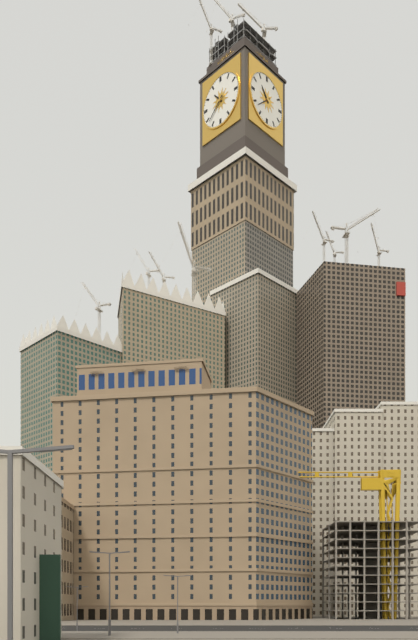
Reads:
{"hour": 10, "minute": 38}
